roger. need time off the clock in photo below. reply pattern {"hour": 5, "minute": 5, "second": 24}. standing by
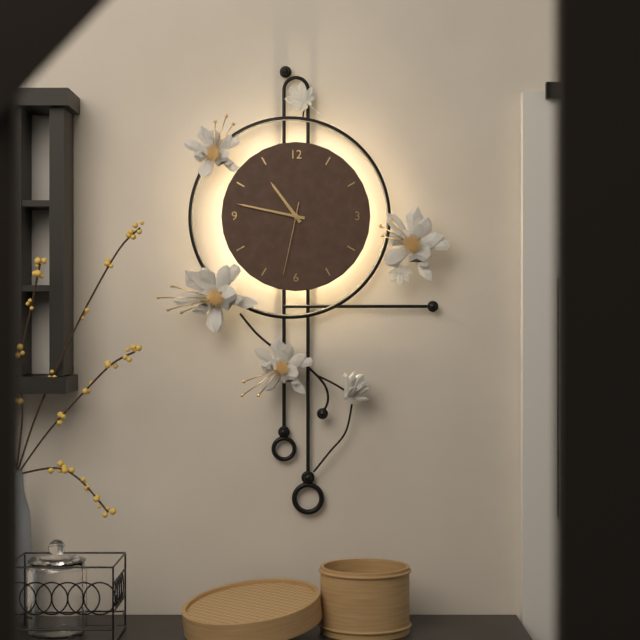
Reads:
{"hour": 10, "minute": 47, "second": 32}
